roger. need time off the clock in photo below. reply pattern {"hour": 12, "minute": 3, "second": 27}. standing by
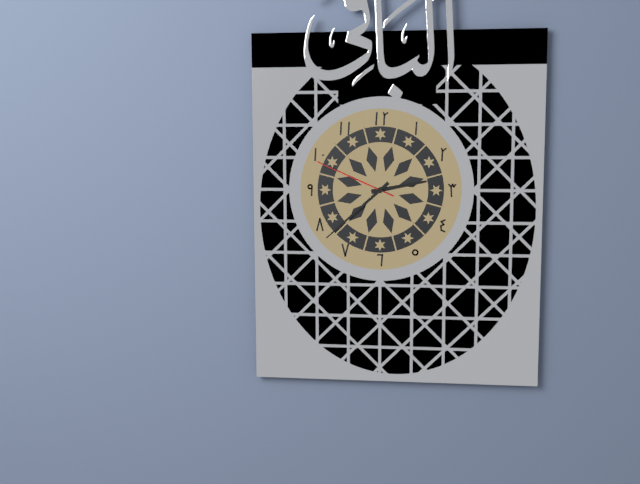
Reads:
{"hour": 2, "minute": 38, "second": 49}
